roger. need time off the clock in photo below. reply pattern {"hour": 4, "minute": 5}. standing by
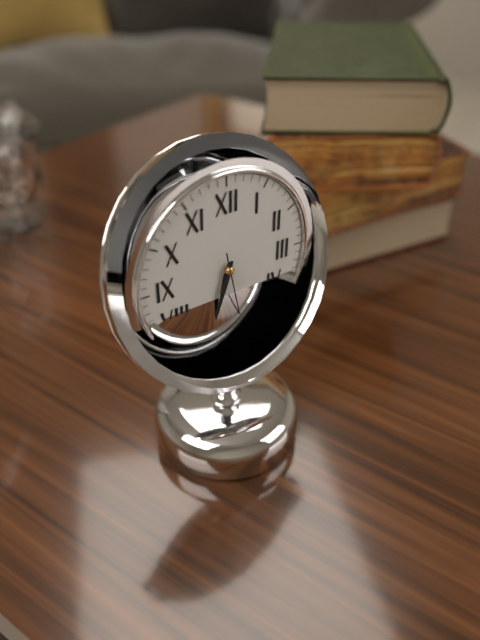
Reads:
{"hour": 6, "minute": 33}
